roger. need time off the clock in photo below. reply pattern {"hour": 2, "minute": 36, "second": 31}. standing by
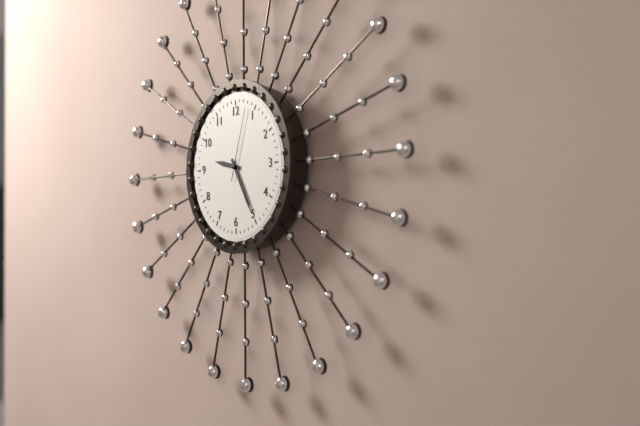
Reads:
{"hour": 9, "minute": 25, "second": 3}
